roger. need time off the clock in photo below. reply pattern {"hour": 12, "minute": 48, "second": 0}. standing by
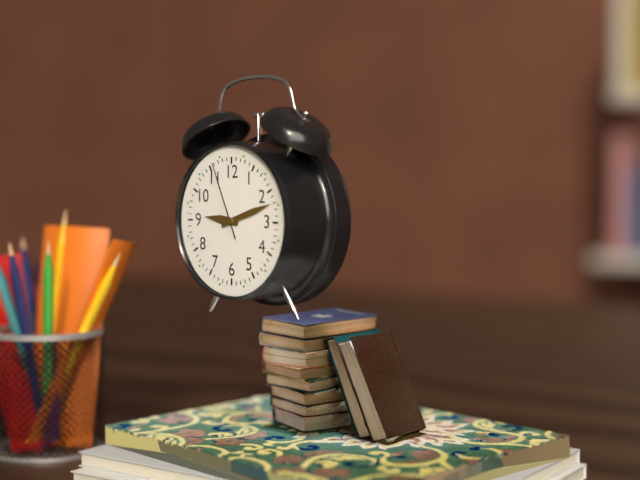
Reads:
{"hour": 9, "minute": 12, "second": 56}
